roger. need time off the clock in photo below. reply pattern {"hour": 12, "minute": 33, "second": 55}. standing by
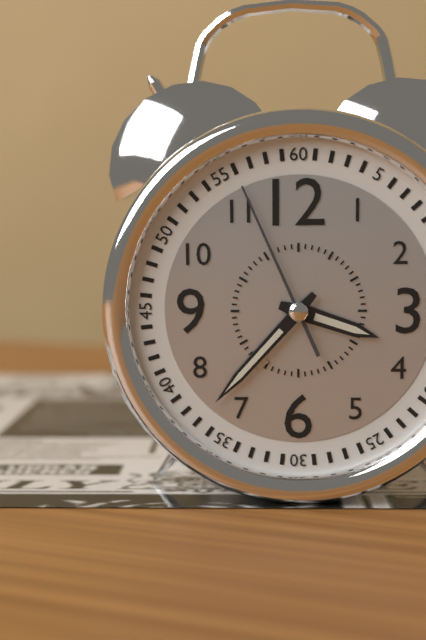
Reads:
{"hour": 3, "minute": 37, "second": 56}
